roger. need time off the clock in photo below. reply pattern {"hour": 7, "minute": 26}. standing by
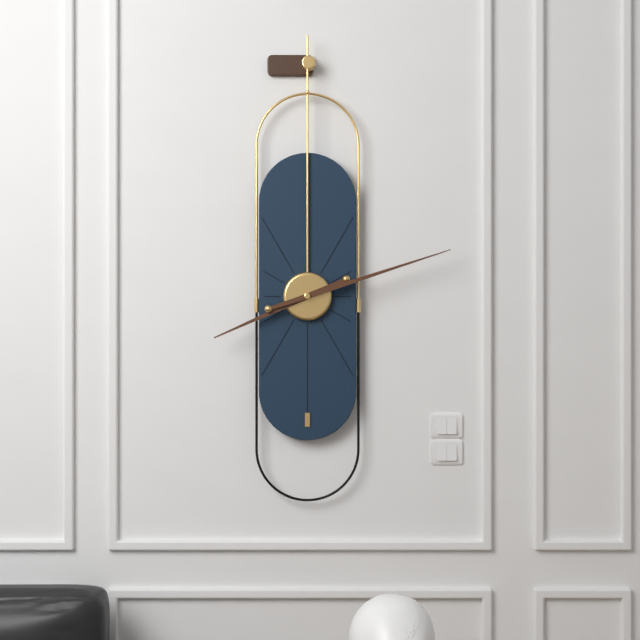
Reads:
{"hour": 8, "minute": 12}
